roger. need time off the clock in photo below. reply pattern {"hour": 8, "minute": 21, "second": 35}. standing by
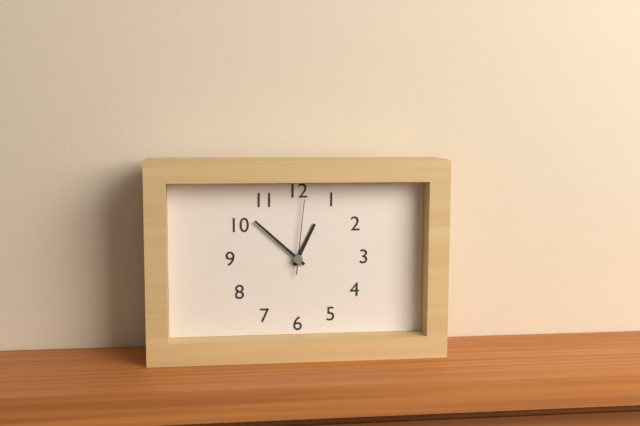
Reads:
{"hour": 12, "minute": 52, "second": 1}
